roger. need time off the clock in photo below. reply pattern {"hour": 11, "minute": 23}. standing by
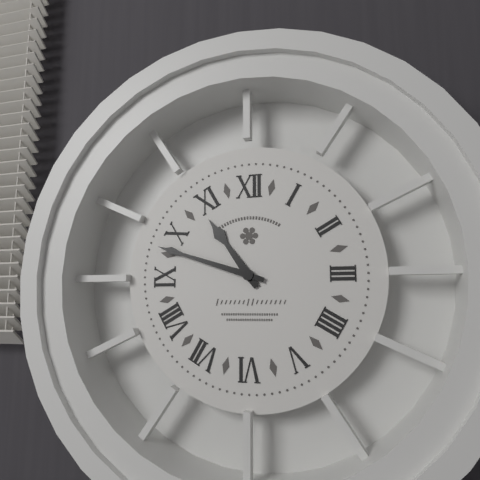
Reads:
{"hour": 10, "minute": 48}
